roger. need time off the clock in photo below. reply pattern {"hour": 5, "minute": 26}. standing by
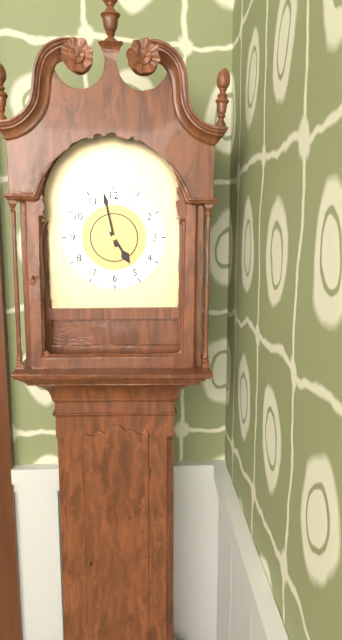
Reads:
{"hour": 4, "minute": 58}
